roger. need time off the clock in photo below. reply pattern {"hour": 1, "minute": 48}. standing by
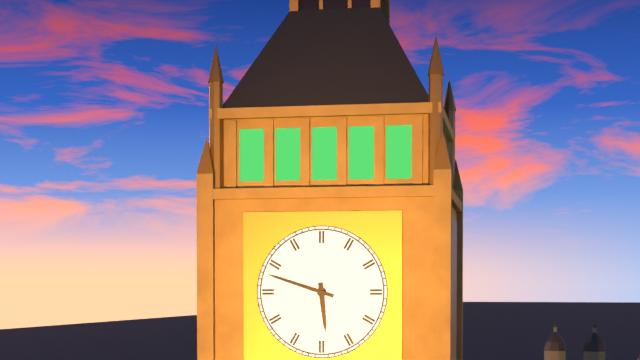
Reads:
{"hour": 5, "minute": 48}
